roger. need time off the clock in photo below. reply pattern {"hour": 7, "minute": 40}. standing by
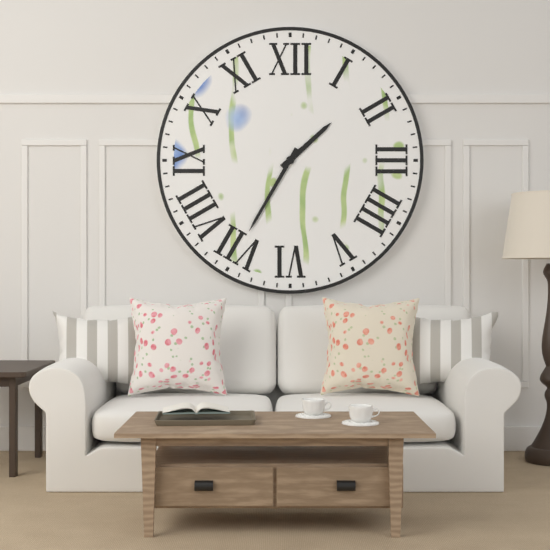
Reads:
{"hour": 1, "minute": 35}
